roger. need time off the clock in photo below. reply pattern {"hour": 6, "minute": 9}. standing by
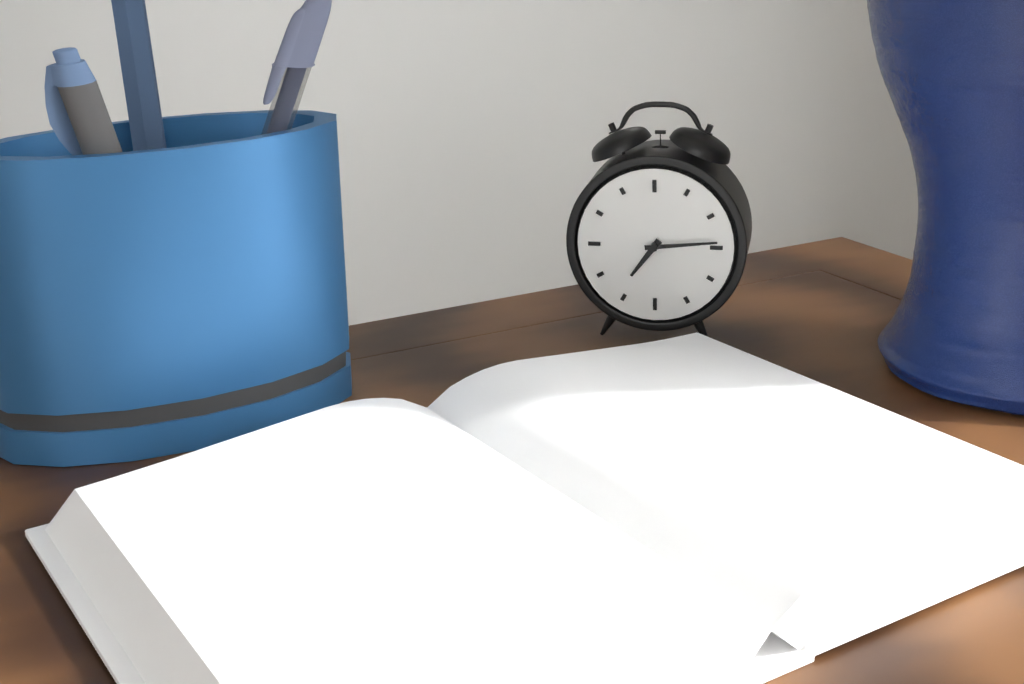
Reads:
{"hour": 7, "minute": 14}
